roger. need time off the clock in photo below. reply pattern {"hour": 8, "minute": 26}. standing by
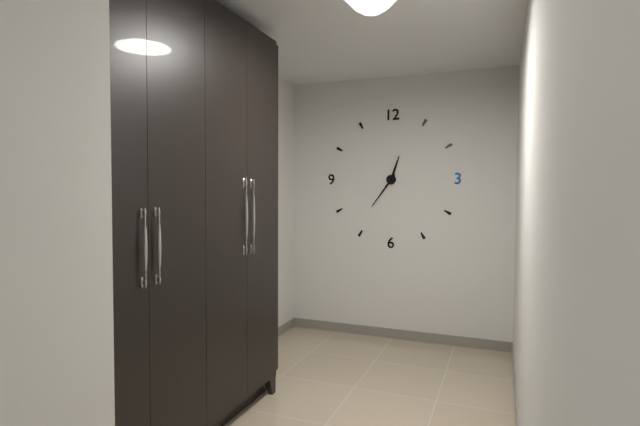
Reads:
{"hour": 12, "minute": 36}
